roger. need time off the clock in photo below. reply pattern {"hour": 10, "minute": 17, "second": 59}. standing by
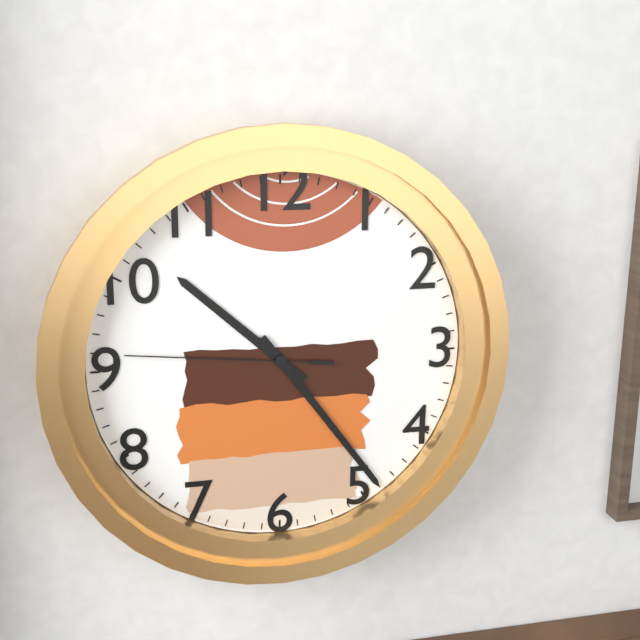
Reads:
{"hour": 10, "minute": 24, "second": 46}
